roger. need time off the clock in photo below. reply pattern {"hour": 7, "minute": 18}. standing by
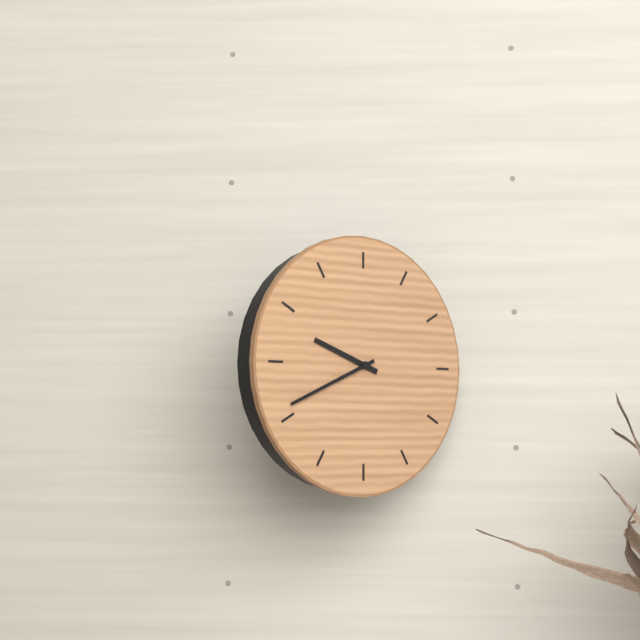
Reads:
{"hour": 9, "minute": 41}
